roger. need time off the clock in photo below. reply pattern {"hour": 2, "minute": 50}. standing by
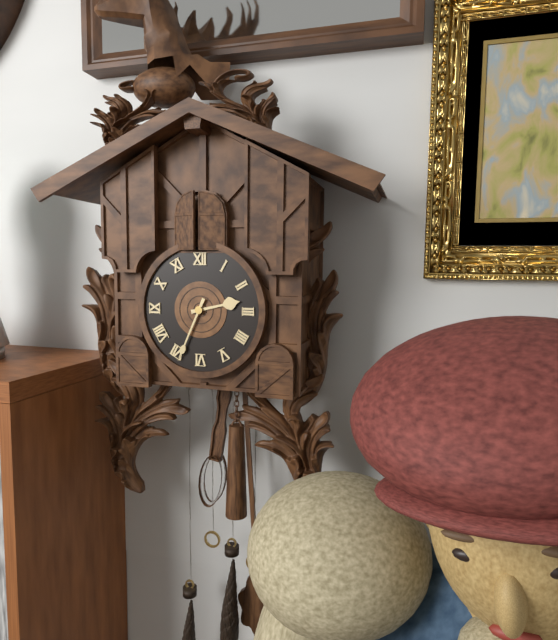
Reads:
{"hour": 2, "minute": 34}
